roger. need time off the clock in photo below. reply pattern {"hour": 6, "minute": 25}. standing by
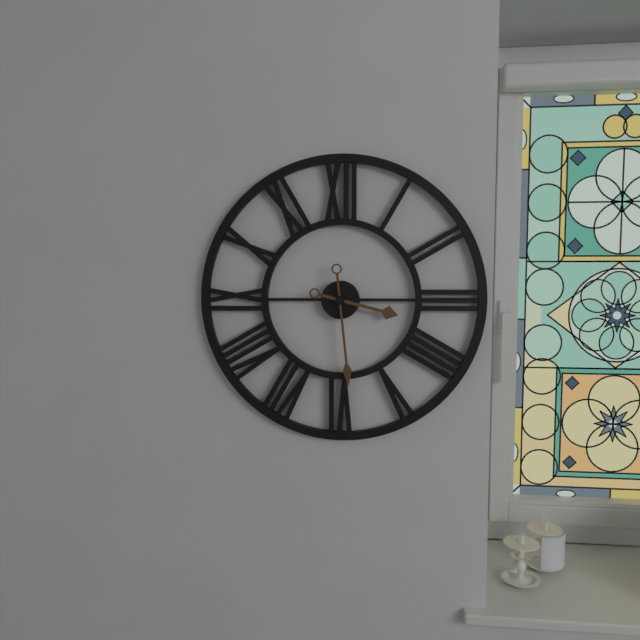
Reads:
{"hour": 3, "minute": 29}
